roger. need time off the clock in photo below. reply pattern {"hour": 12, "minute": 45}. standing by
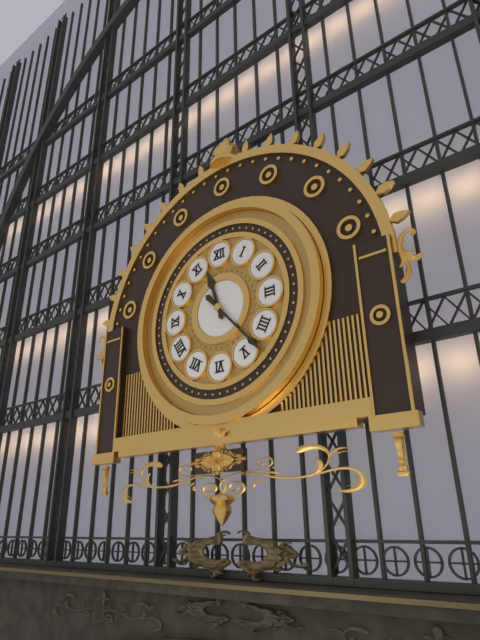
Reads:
{"hour": 11, "minute": 23}
